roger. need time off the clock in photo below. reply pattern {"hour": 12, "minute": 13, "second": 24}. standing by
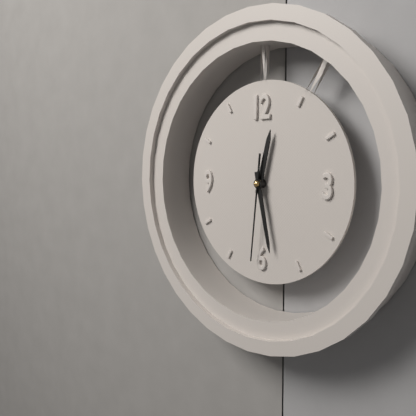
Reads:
{"hour": 12, "minute": 28, "second": 31}
